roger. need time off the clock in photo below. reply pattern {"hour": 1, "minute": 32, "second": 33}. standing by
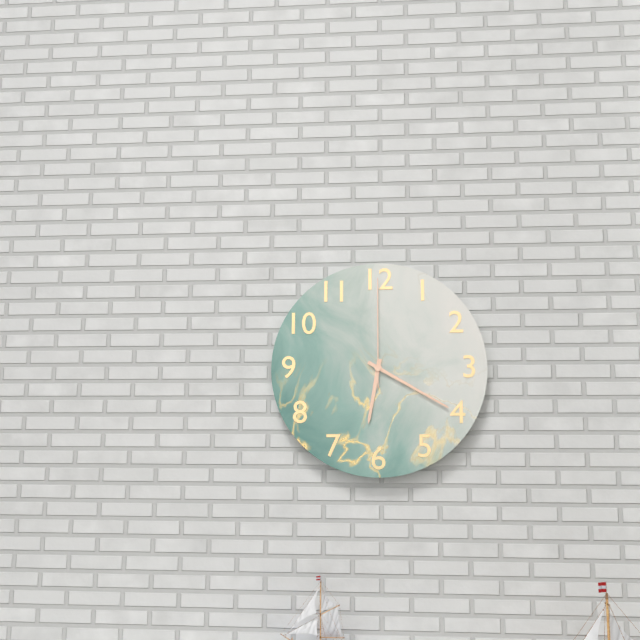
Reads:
{"hour": 6, "minute": 20, "second": 0}
